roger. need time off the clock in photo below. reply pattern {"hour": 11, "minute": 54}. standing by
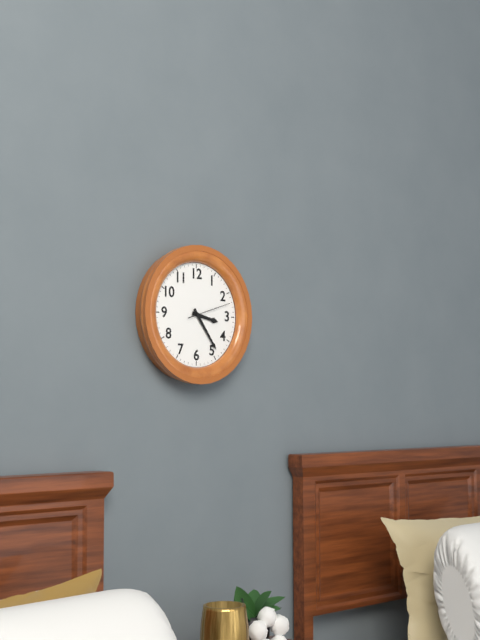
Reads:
{"hour": 3, "minute": 24}
